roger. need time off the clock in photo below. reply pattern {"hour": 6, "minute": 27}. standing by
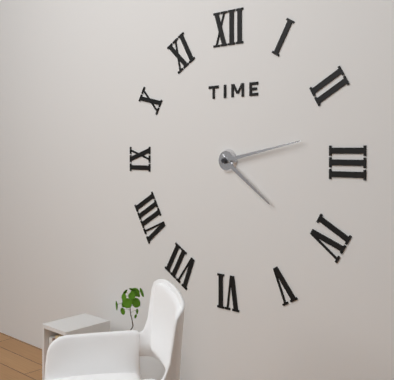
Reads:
{"hour": 4, "minute": 13}
